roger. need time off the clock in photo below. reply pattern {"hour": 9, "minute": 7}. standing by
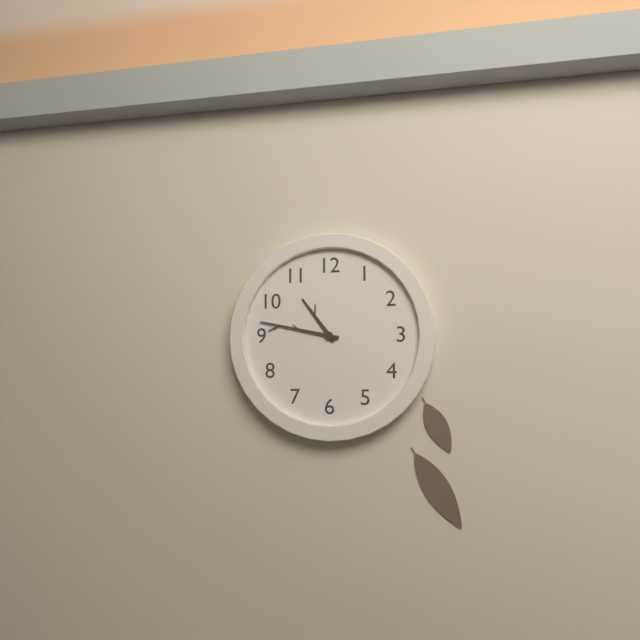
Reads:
{"hour": 10, "minute": 47}
